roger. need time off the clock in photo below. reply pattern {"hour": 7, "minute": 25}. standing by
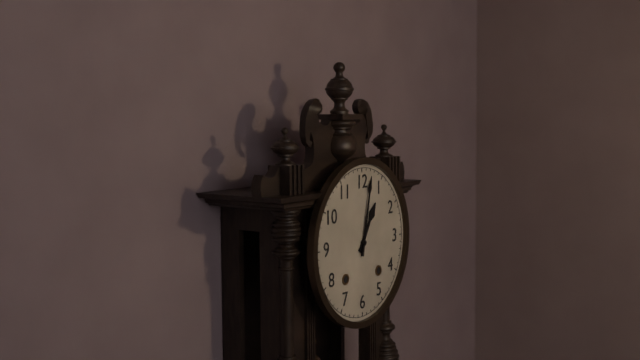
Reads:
{"hour": 1, "minute": 2}
